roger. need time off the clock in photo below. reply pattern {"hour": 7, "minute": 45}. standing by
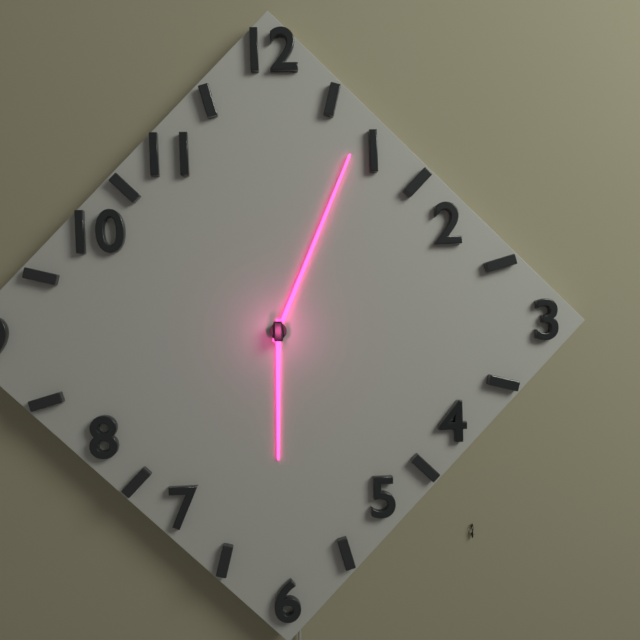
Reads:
{"hour": 6, "minute": 4}
